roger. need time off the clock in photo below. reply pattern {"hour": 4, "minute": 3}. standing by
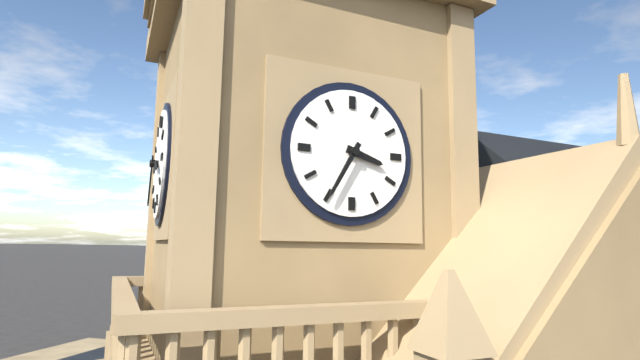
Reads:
{"hour": 3, "minute": 35}
